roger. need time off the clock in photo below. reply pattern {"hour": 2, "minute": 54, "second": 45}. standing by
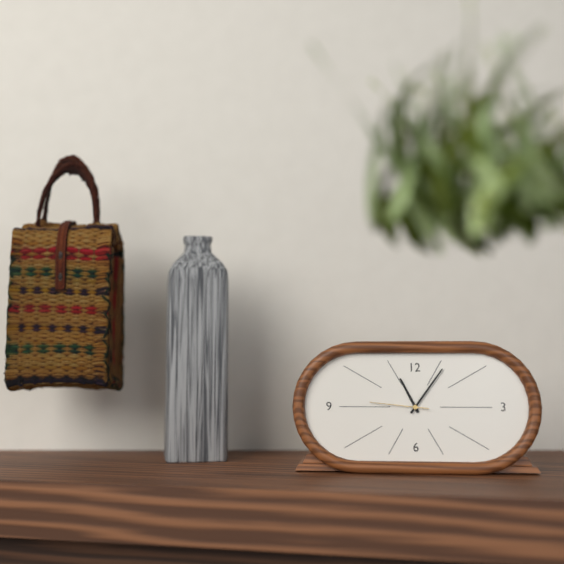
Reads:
{"hour": 11, "minute": 6, "second": 46}
